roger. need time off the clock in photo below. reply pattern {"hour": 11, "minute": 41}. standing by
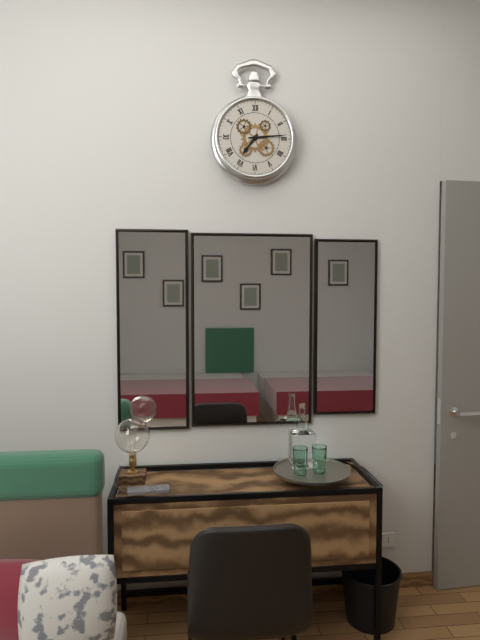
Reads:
{"hour": 7, "minute": 14}
